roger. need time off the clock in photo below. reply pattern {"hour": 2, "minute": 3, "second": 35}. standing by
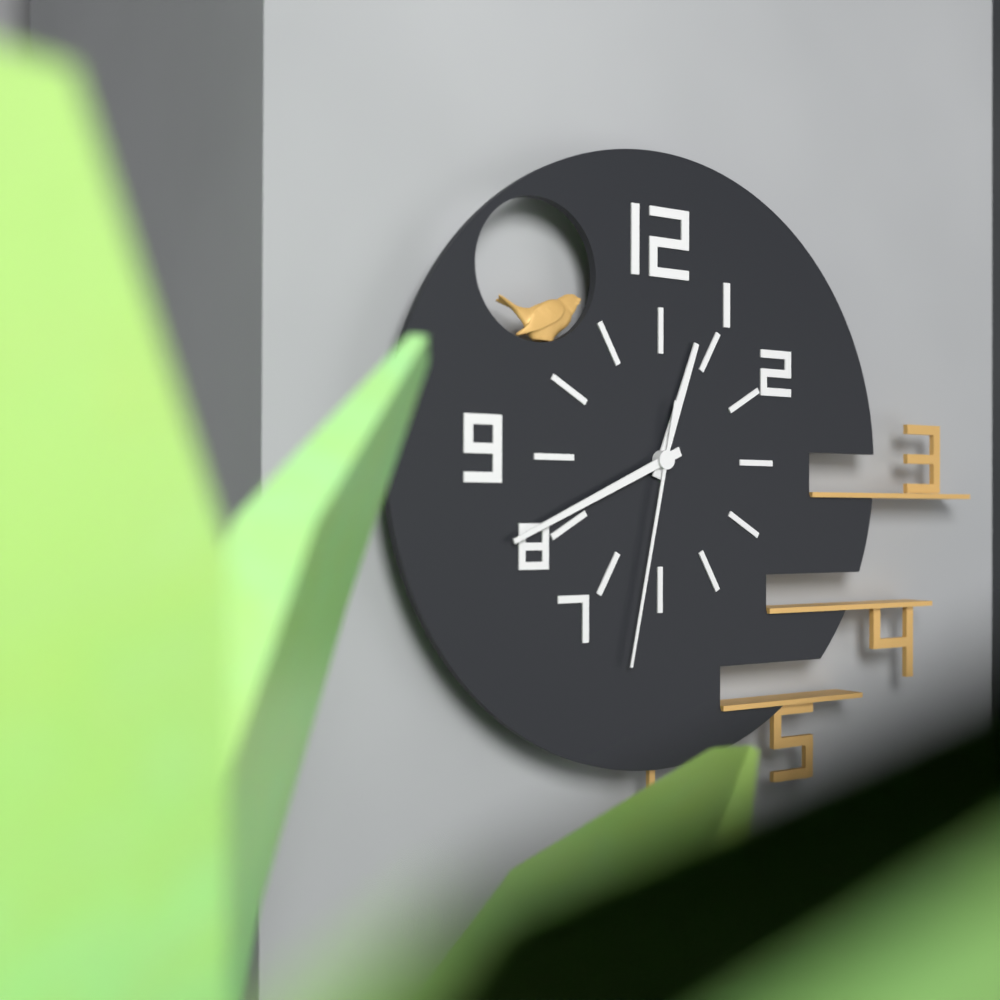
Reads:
{"hour": 12, "minute": 41, "second": 32}
